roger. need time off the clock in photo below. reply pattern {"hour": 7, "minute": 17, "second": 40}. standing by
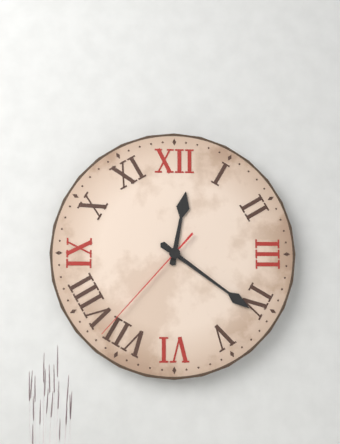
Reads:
{"hour": 12, "minute": 21, "second": 37}
